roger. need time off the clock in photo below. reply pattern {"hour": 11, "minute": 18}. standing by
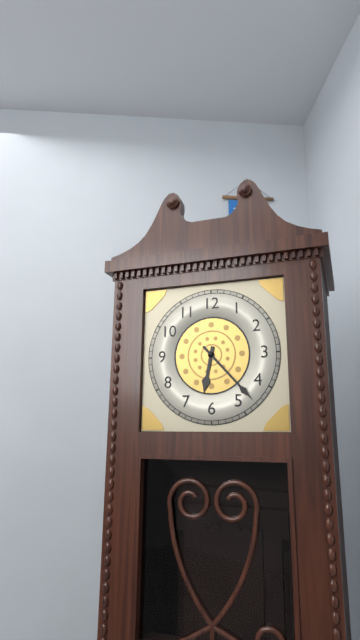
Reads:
{"hour": 6, "minute": 23}
